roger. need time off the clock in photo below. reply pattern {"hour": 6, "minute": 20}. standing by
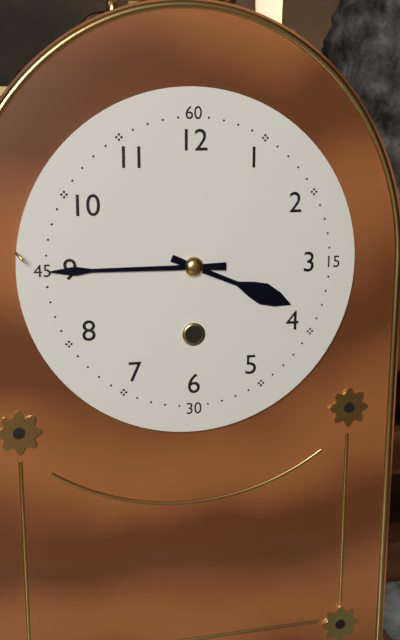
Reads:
{"hour": 3, "minute": 45}
